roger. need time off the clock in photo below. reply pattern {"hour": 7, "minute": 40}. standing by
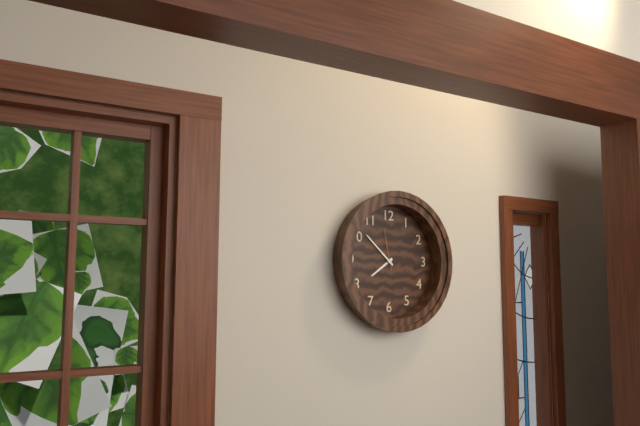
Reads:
{"hour": 7, "minute": 52}
